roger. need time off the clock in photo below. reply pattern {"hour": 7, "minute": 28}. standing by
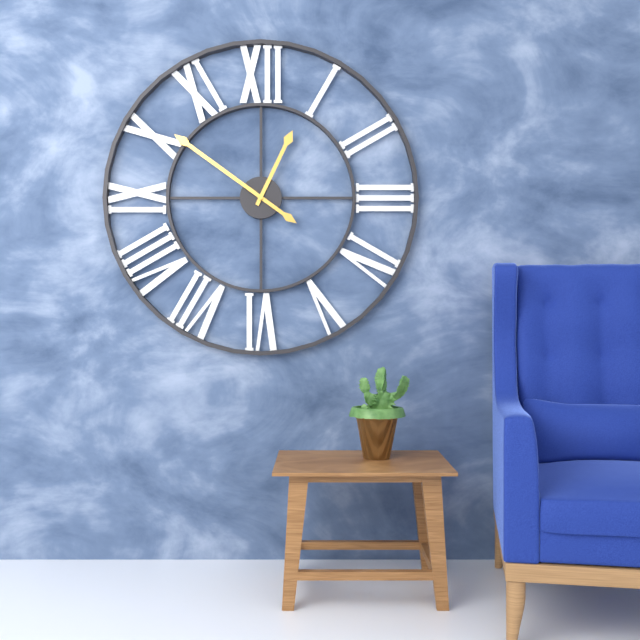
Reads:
{"hour": 12, "minute": 51}
